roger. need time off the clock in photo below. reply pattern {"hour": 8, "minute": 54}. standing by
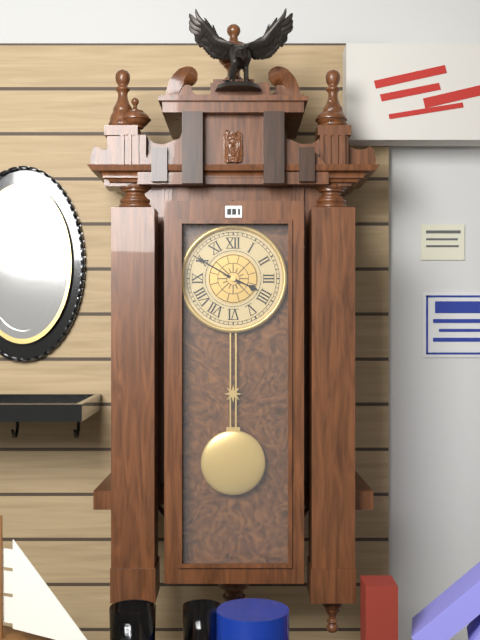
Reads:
{"hour": 3, "minute": 50}
